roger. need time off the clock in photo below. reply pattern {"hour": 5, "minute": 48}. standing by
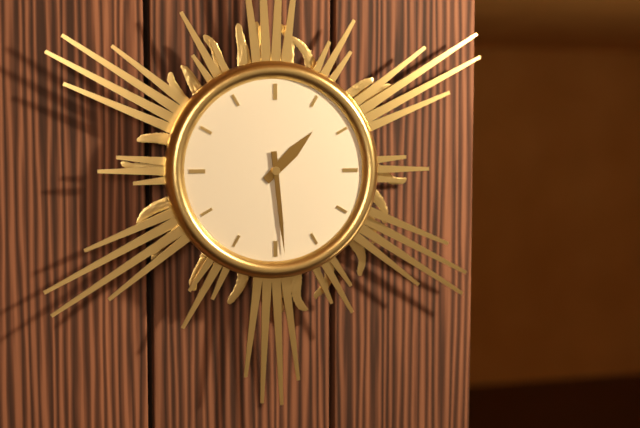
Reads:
{"hour": 1, "minute": 29}
